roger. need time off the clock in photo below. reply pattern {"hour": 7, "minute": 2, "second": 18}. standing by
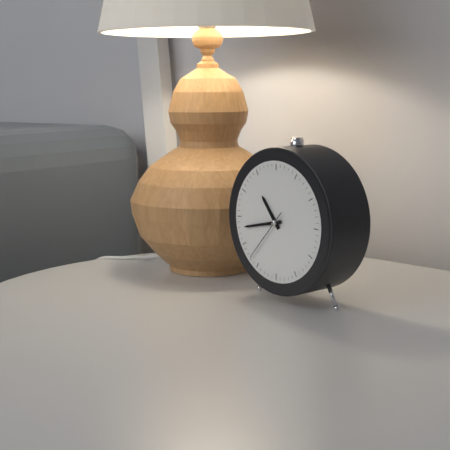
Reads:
{"hour": 10, "minute": 43, "second": 37}
